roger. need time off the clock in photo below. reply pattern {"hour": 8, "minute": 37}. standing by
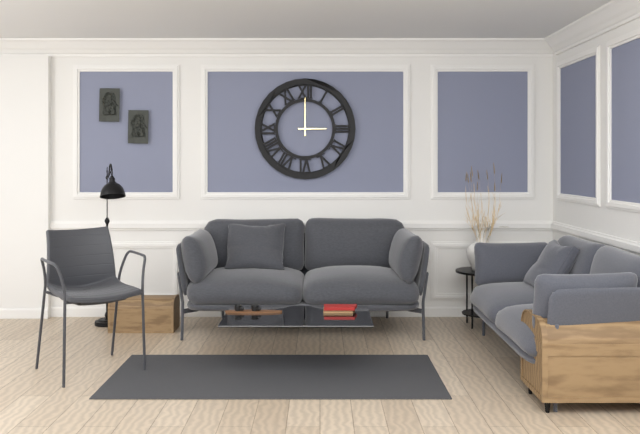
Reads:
{"hour": 3, "minute": 0}
